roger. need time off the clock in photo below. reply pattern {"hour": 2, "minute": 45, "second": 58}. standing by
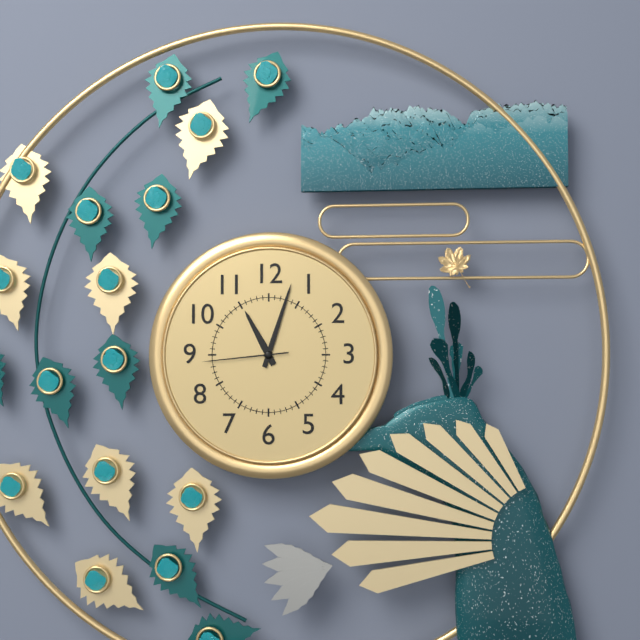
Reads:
{"hour": 11, "minute": 3, "second": 44}
